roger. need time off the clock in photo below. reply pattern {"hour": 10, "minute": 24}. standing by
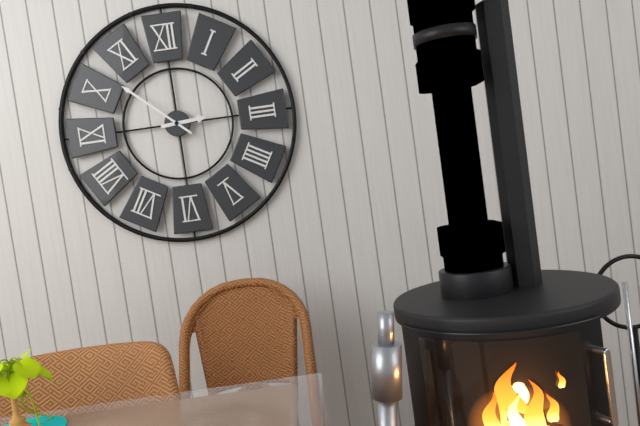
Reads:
{"hour": 2, "minute": 52}
